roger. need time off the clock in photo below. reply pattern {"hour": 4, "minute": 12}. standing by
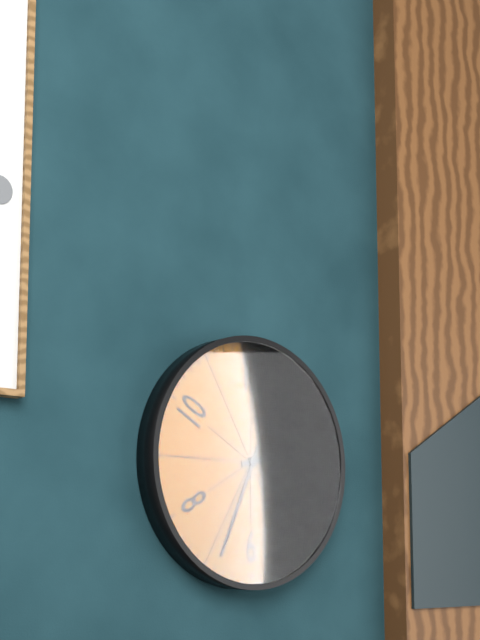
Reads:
{"hour": 2, "minute": 34}
